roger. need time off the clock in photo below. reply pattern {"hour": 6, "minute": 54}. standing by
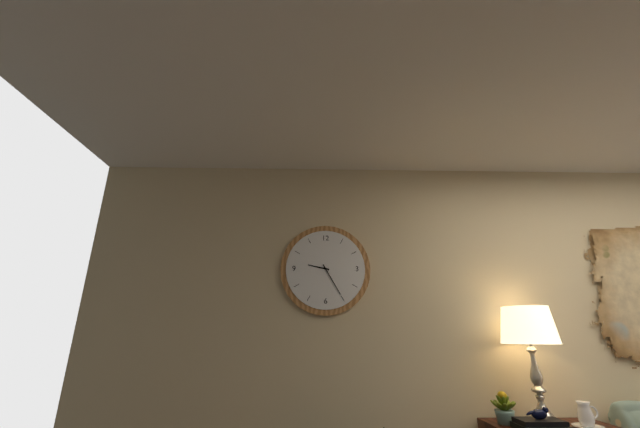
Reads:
{"hour": 9, "minute": 25}
